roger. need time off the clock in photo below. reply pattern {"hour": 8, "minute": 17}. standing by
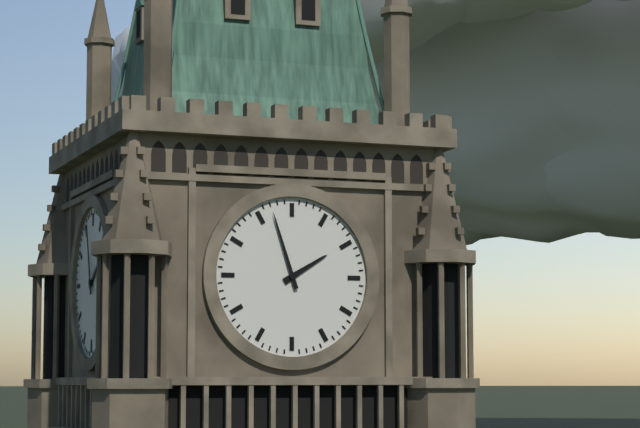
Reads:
{"hour": 1, "minute": 57}
